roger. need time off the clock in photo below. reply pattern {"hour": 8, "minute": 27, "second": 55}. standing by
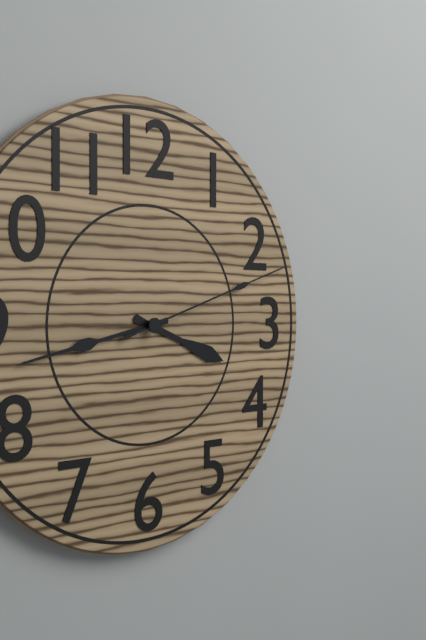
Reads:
{"hour": 3, "minute": 43, "second": 12}
